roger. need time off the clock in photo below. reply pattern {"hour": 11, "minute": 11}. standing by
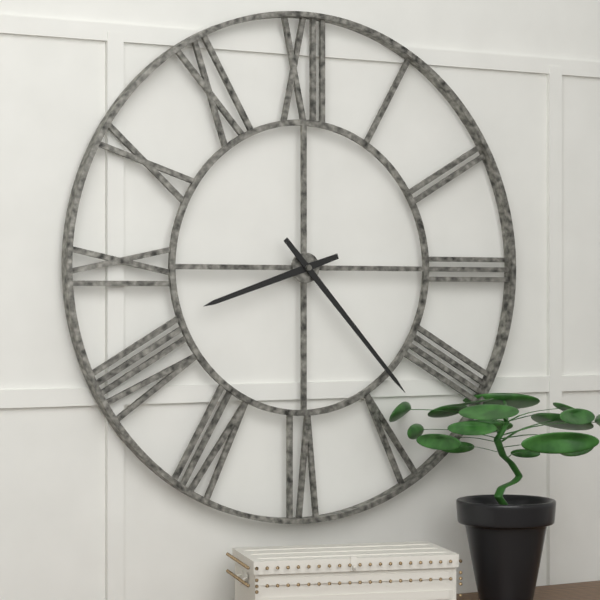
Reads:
{"hour": 8, "minute": 23}
